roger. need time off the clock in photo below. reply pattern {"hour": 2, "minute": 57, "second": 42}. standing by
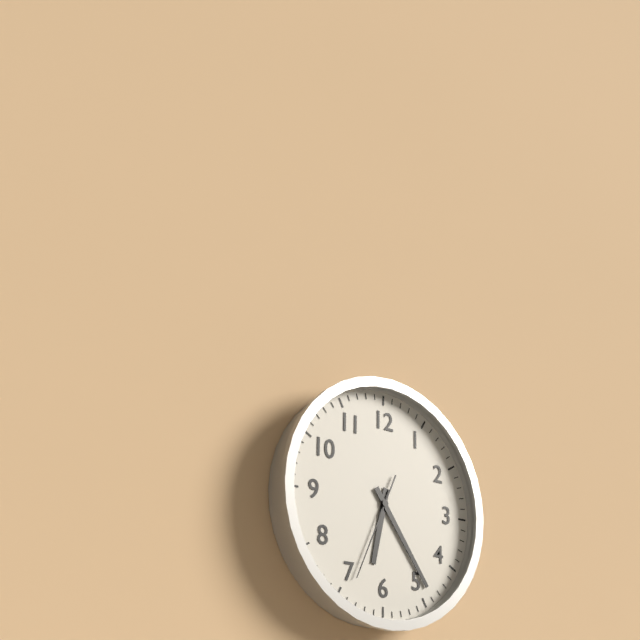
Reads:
{"hour": 6, "minute": 24, "second": 34}
